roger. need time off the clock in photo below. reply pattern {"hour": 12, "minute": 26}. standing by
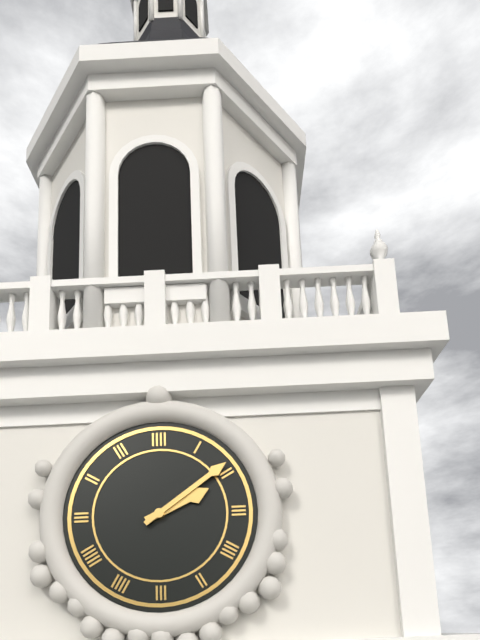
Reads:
{"hour": 2, "minute": 9}
